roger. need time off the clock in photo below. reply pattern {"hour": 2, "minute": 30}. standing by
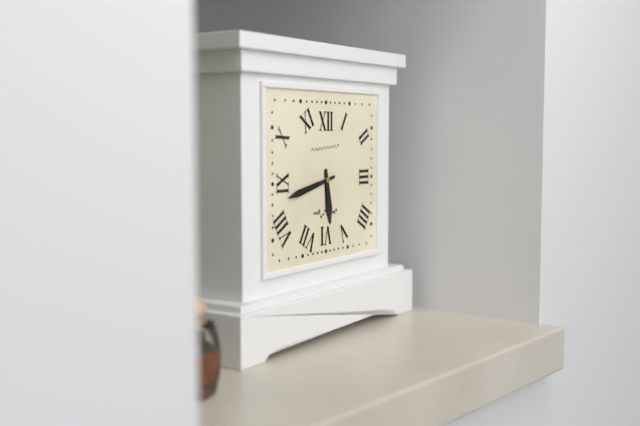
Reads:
{"hour": 5, "minute": 43}
